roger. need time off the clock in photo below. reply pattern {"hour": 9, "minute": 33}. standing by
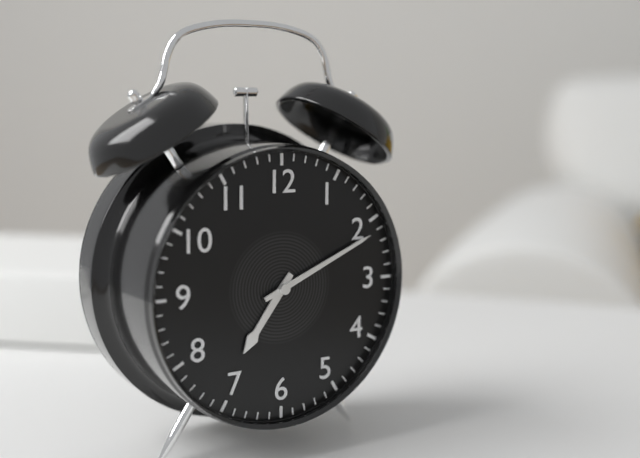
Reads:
{"hour": 7, "minute": 11}
